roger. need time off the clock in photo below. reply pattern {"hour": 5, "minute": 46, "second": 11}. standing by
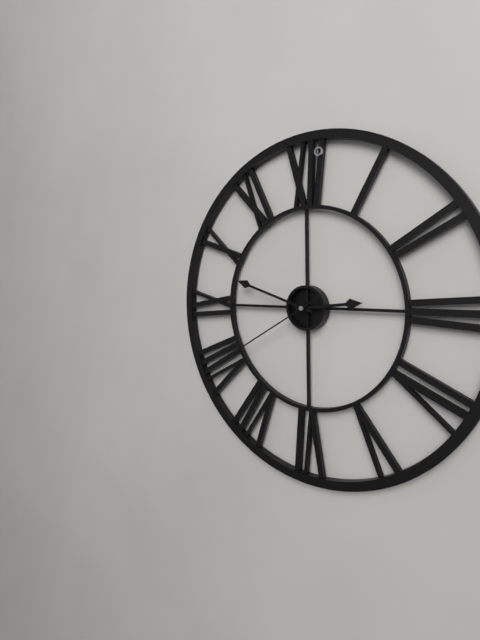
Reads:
{"hour": 2, "minute": 48, "second": 40}
